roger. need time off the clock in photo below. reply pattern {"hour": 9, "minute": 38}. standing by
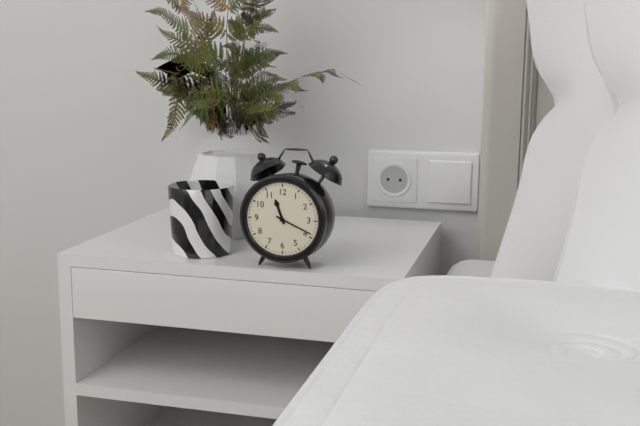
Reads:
{"hour": 11, "minute": 19}
